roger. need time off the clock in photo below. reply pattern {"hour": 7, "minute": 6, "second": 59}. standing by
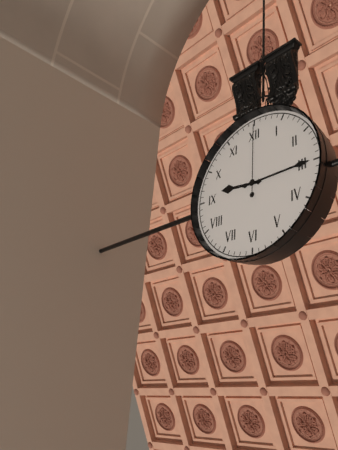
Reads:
{"hour": 9, "minute": 15, "second": 0}
